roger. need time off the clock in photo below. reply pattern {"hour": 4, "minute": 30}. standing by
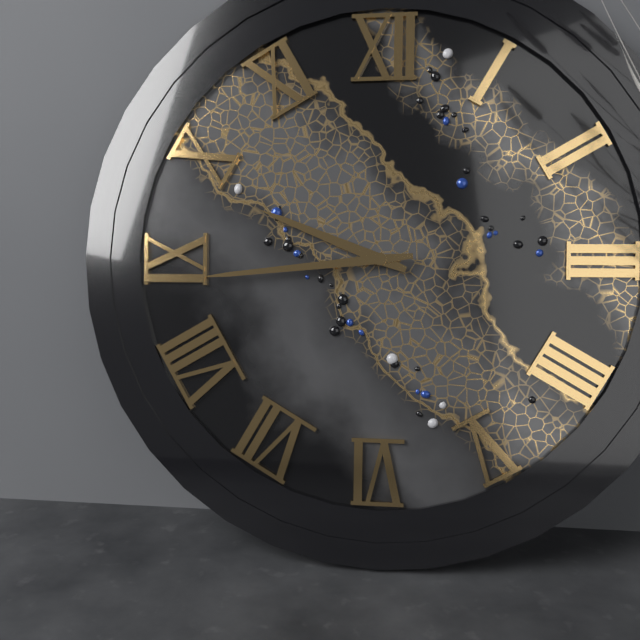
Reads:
{"hour": 9, "minute": 44}
